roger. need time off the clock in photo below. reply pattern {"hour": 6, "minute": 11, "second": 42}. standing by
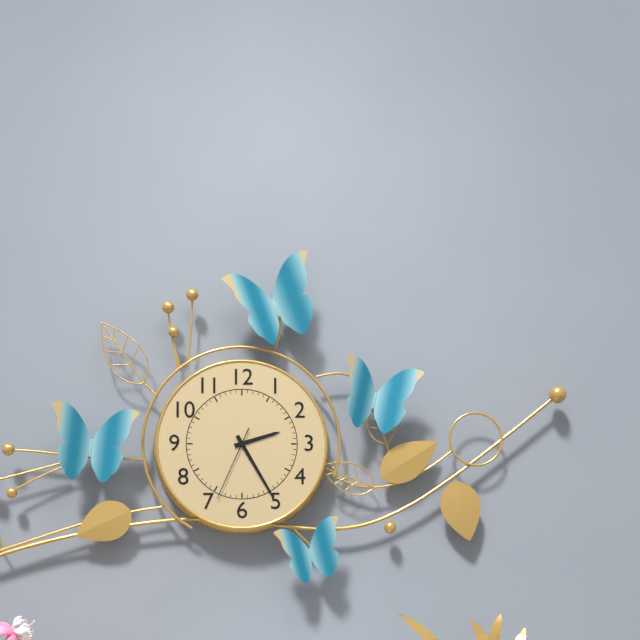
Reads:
{"hour": 2, "minute": 25, "second": 34}
